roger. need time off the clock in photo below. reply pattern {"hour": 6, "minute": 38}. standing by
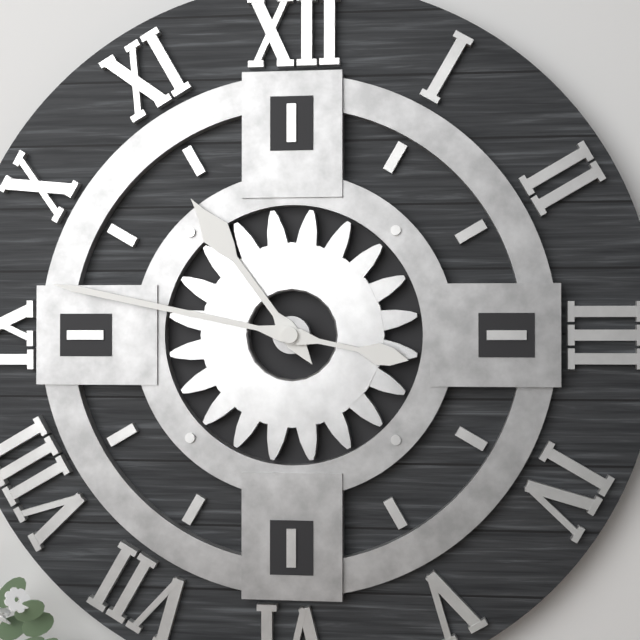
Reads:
{"hour": 10, "minute": 47}
